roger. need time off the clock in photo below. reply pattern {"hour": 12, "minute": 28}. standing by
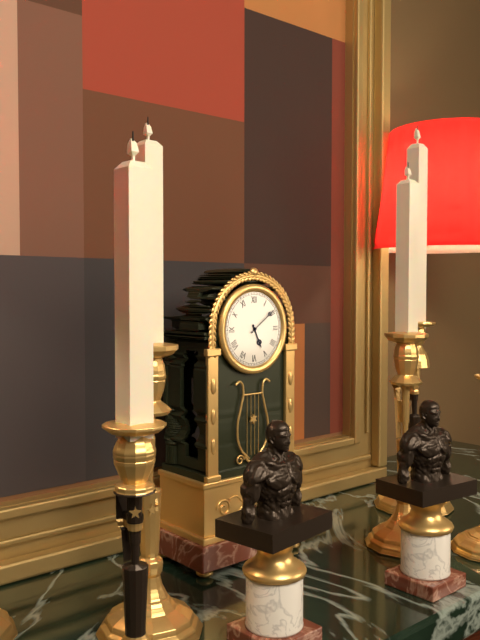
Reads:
{"hour": 5, "minute": 9}
